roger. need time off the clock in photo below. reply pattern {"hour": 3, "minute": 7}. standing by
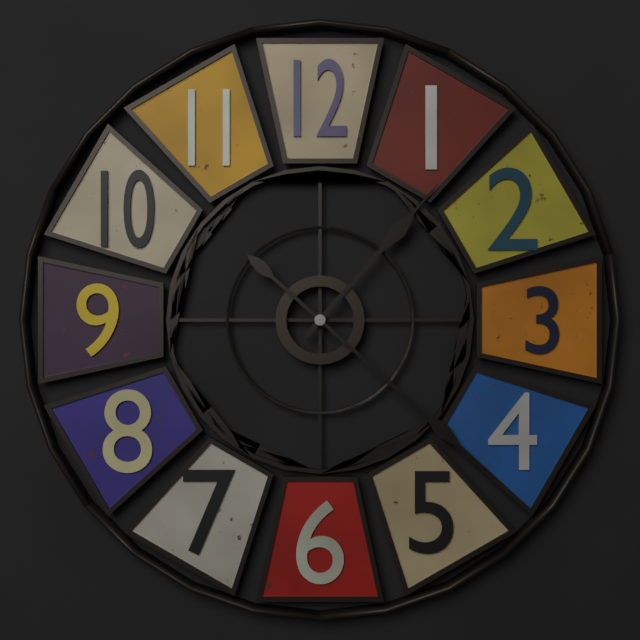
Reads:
{"hour": 1, "minute": 22}
